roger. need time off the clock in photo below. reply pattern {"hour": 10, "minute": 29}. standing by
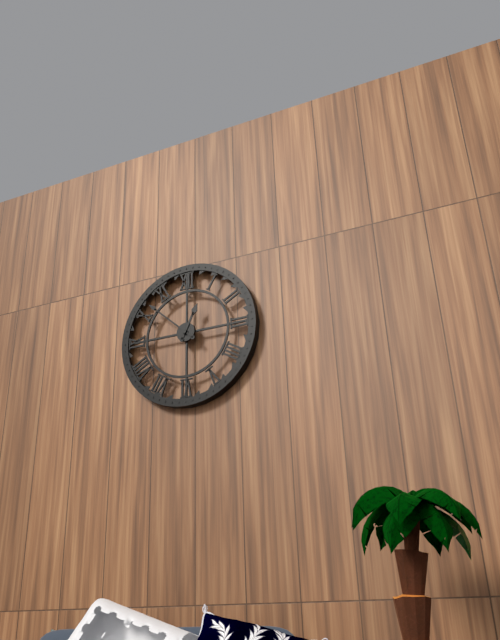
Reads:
{"hour": 12, "minute": 52}
